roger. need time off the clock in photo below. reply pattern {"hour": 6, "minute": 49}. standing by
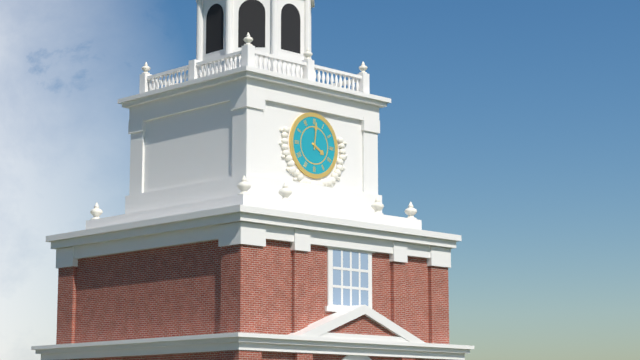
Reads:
{"hour": 4, "minute": 1}
